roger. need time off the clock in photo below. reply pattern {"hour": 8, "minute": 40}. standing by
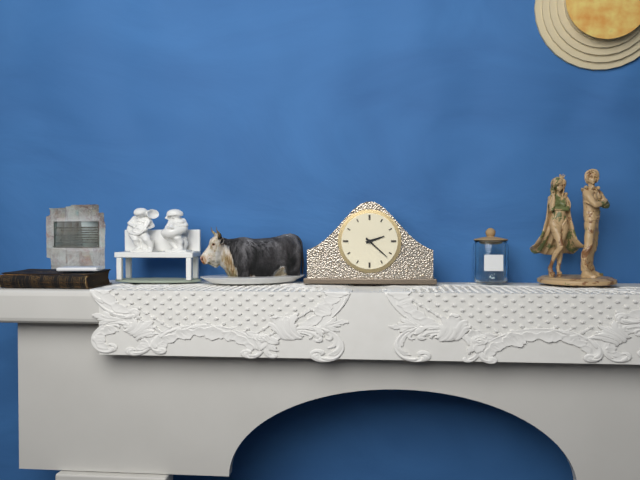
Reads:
{"hour": 2, "minute": 22}
